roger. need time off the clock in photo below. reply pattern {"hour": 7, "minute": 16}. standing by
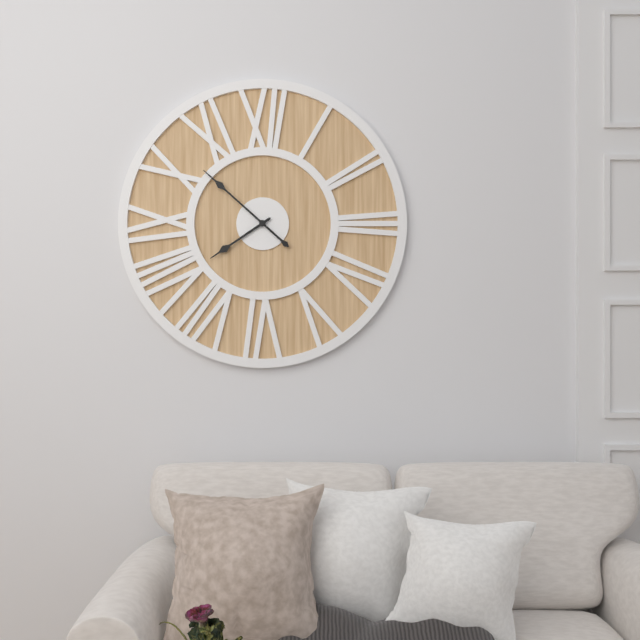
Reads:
{"hour": 7, "minute": 52}
